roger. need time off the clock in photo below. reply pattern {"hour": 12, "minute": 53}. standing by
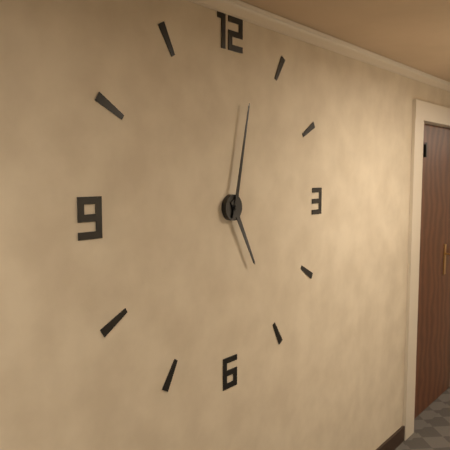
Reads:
{"hour": 5, "minute": 2}
